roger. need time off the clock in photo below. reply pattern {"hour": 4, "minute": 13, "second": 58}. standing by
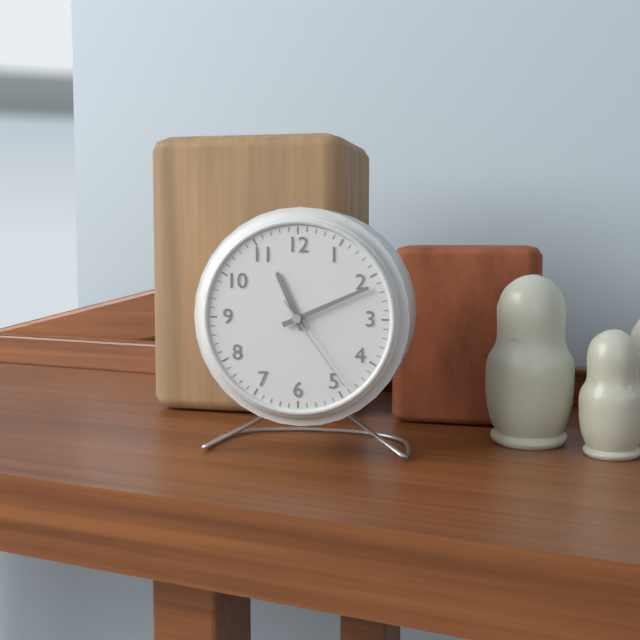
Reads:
{"hour": 11, "minute": 11, "second": 24}
